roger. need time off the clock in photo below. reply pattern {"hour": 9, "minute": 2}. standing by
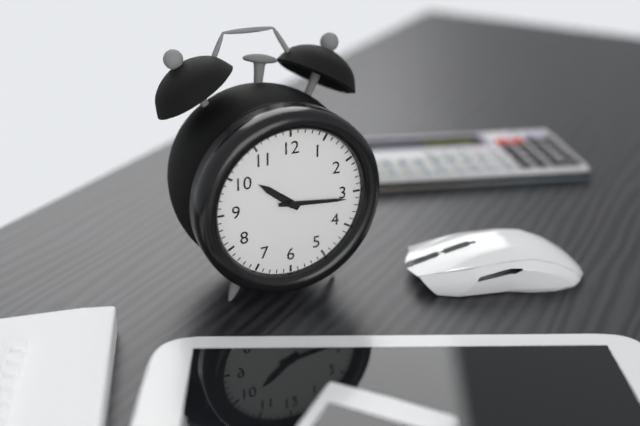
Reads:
{"hour": 10, "minute": 16}
